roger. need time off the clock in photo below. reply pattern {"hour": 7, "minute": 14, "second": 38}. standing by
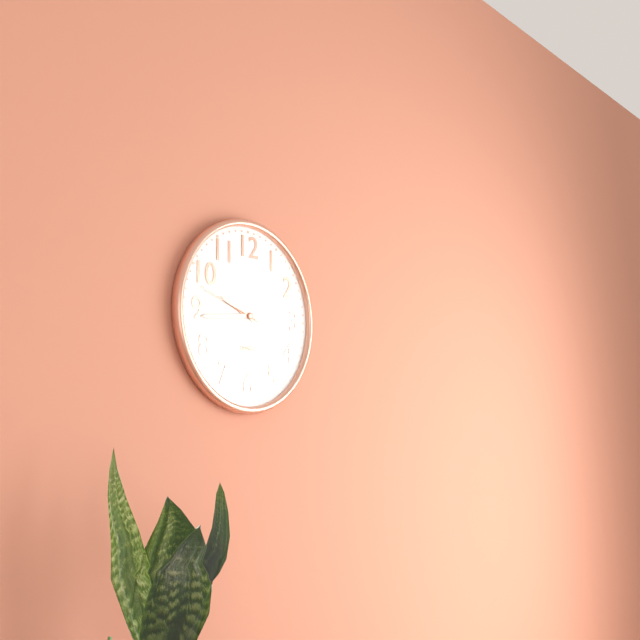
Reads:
{"hour": 9, "minute": 44, "second": 48}
